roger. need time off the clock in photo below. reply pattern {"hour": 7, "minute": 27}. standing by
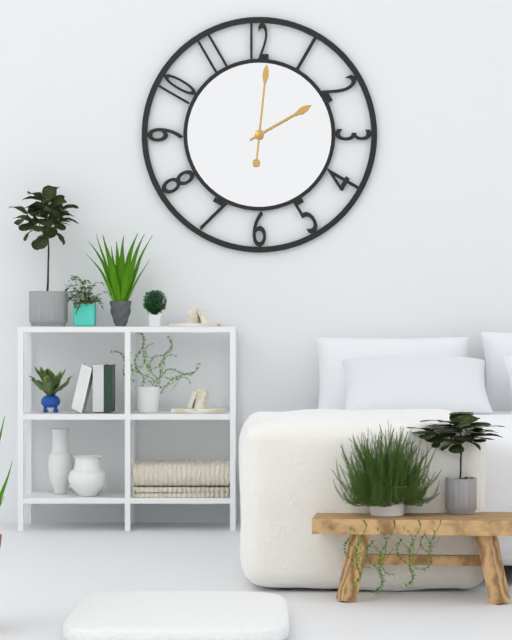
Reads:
{"hour": 2, "minute": 1}
